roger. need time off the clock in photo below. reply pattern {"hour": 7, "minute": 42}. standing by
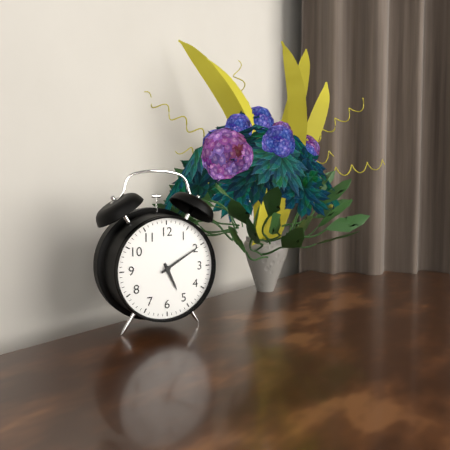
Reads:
{"hour": 5, "minute": 10}
